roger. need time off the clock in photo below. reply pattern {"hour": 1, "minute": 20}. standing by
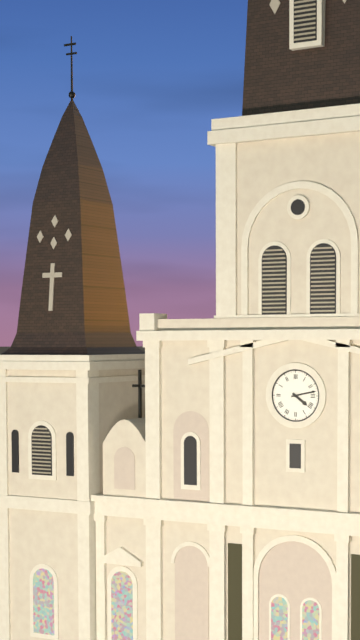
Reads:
{"hour": 4, "minute": 13}
